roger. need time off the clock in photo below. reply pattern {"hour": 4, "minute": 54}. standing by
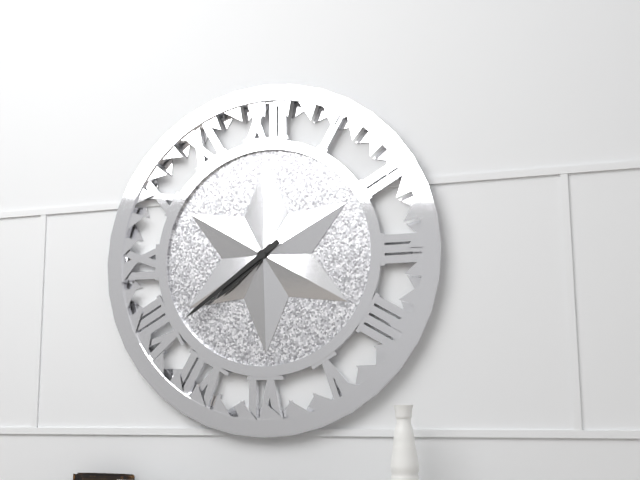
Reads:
{"hour": 7, "minute": 39}
